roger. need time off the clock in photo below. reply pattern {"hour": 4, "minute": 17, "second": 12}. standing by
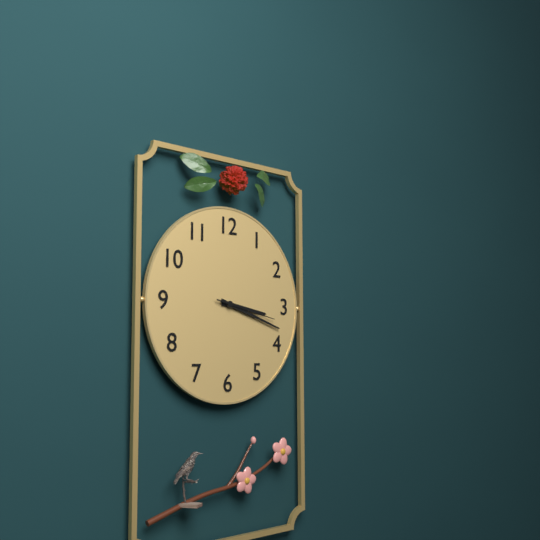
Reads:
{"hour": 3, "minute": 18, "second": 17}
